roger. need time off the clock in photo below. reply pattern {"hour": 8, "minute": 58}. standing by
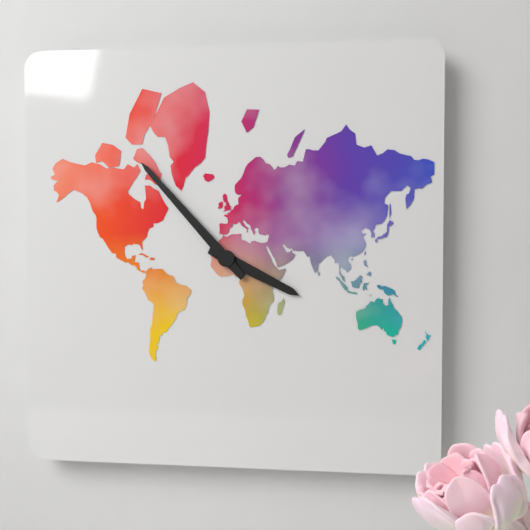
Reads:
{"hour": 3, "minute": 53}
